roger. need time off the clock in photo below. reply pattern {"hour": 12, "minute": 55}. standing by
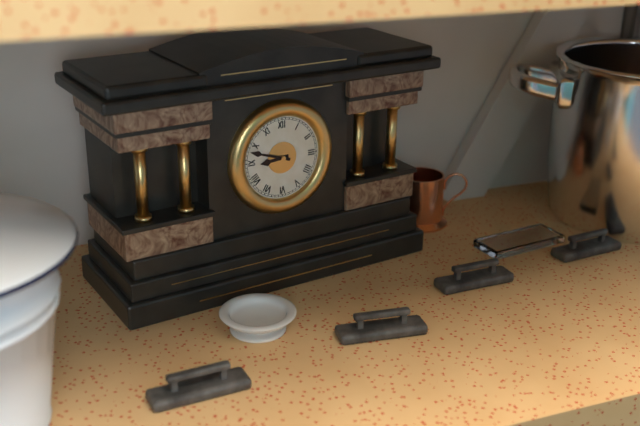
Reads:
{"hour": 8, "minute": 48}
